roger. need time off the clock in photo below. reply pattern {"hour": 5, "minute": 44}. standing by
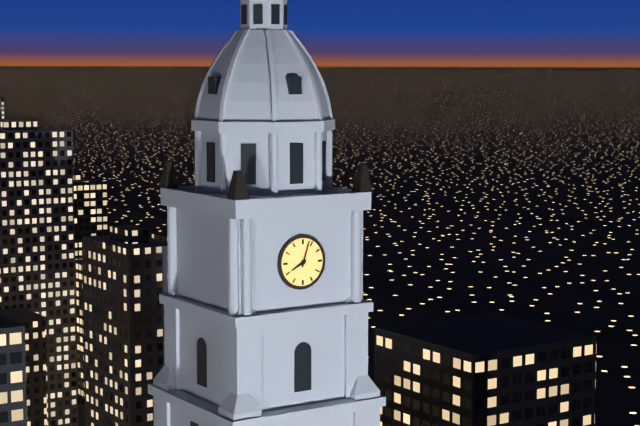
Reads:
{"hour": 8, "minute": 3}
